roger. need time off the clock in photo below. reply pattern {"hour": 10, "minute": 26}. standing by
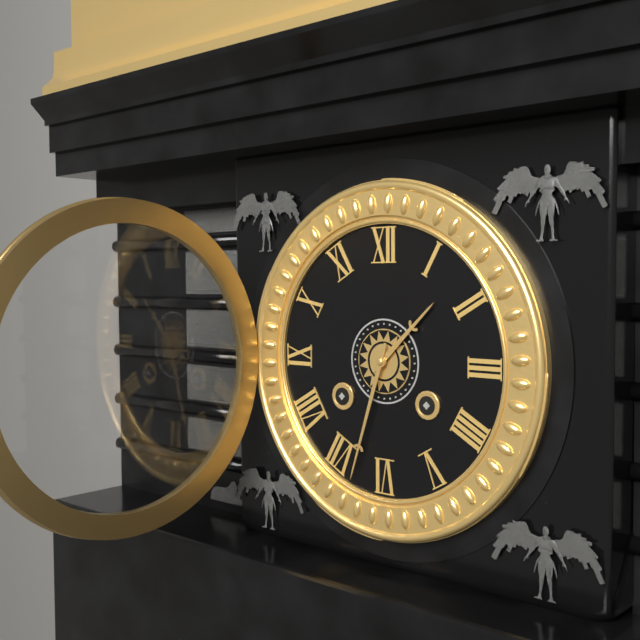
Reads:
{"hour": 1, "minute": 33}
